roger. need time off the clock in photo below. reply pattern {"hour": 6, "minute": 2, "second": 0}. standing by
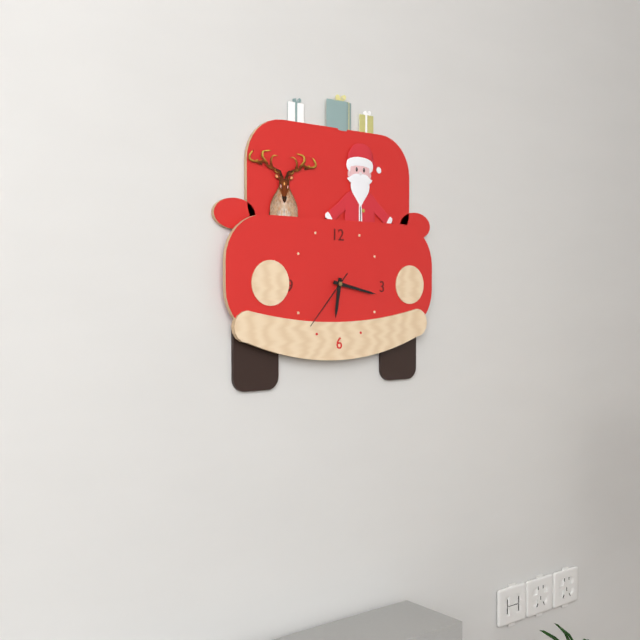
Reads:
{"hour": 6, "minute": 17, "second": 37}
